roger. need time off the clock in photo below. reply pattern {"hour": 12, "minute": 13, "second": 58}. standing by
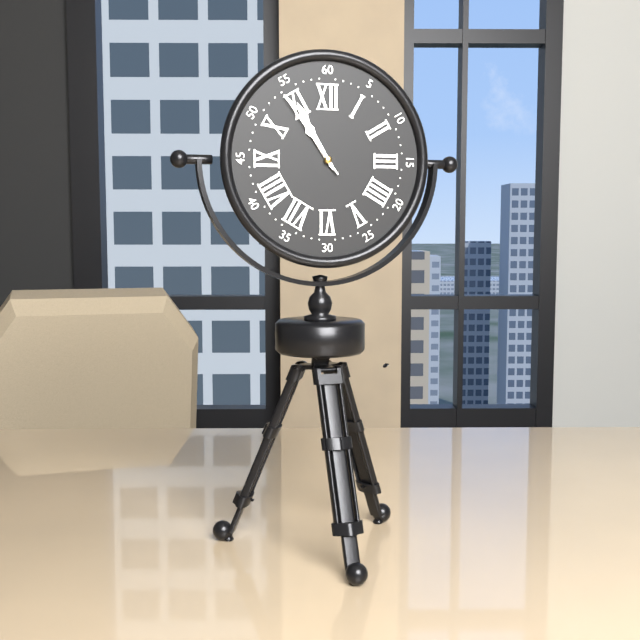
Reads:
{"hour": 10, "minute": 55, "second": 54}
